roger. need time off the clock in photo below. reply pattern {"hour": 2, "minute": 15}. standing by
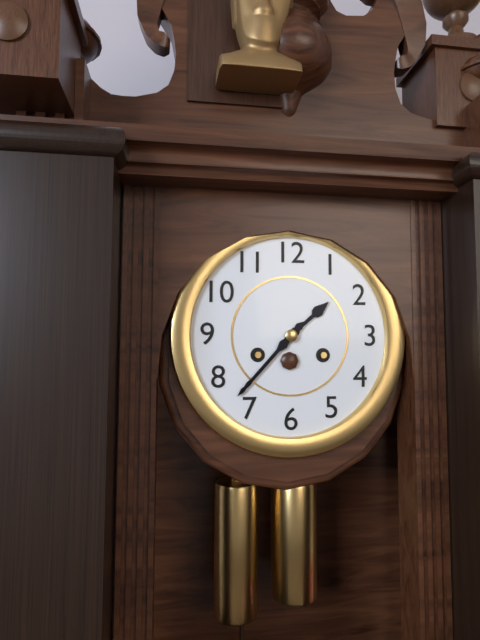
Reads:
{"hour": 1, "minute": 37}
